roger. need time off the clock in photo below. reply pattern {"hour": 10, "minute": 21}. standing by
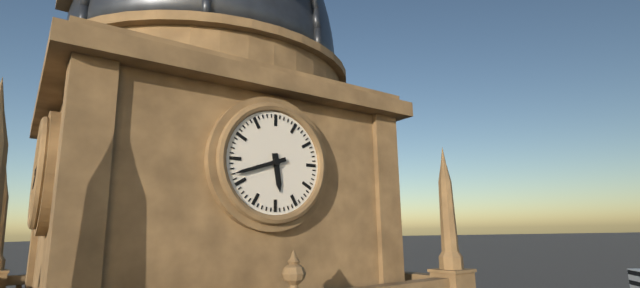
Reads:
{"hour": 5, "minute": 42}
